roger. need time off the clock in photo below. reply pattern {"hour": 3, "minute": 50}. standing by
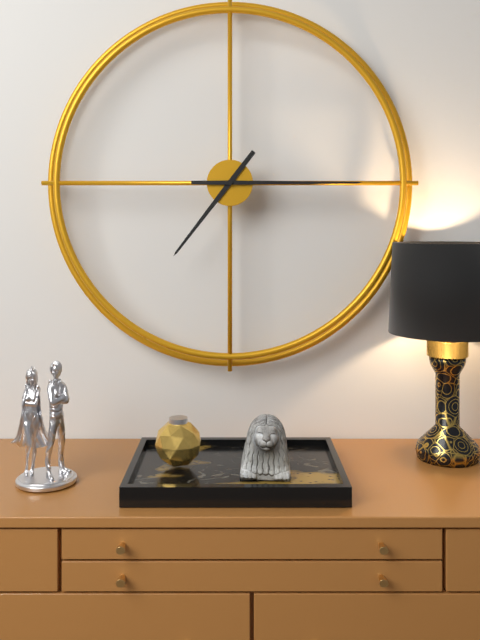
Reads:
{"hour": 7, "minute": 15}
